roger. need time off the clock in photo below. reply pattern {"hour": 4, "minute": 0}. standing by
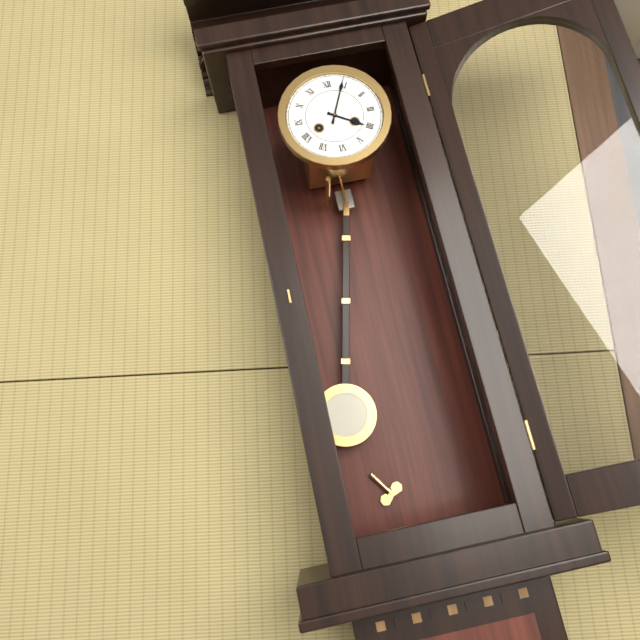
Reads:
{"hour": 4, "minute": 4}
